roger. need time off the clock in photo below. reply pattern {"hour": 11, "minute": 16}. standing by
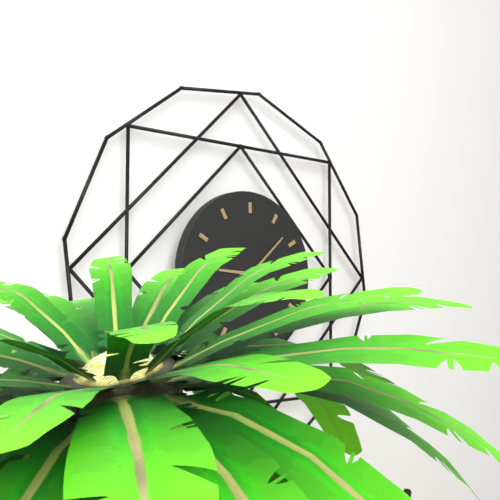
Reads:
{"hour": 9, "minute": 8}
